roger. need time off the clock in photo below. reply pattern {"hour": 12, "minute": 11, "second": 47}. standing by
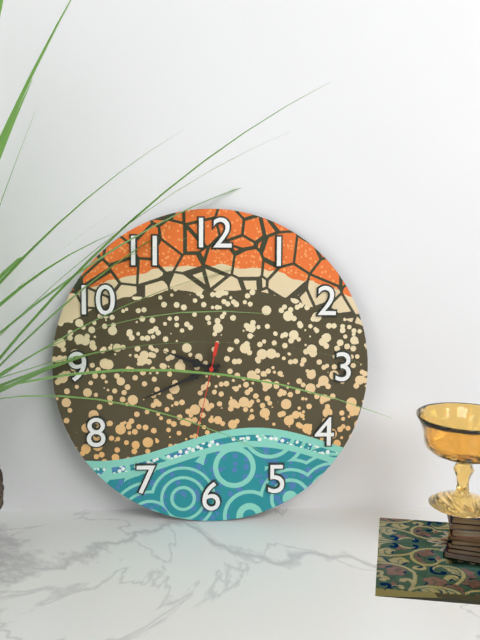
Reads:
{"hour": 9, "minute": 41, "second": 32}
